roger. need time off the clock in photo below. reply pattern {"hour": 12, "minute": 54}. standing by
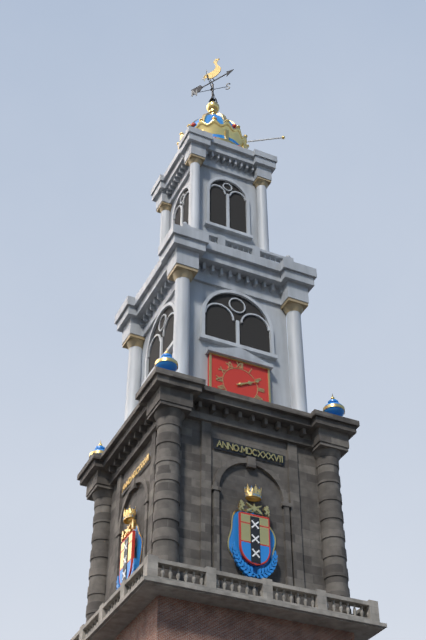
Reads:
{"hour": 2, "minute": 11}
